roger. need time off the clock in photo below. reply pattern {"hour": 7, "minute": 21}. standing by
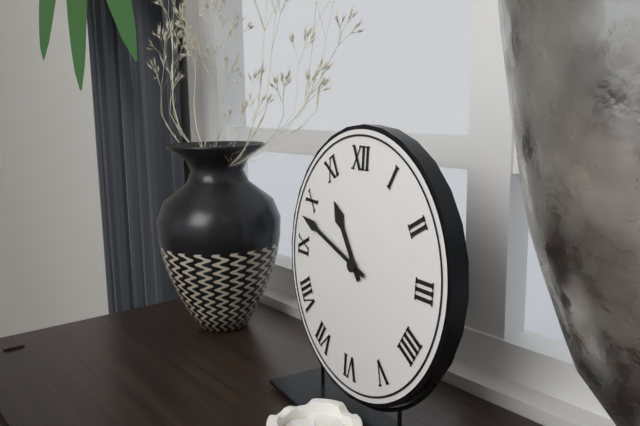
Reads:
{"hour": 10, "minute": 48}
